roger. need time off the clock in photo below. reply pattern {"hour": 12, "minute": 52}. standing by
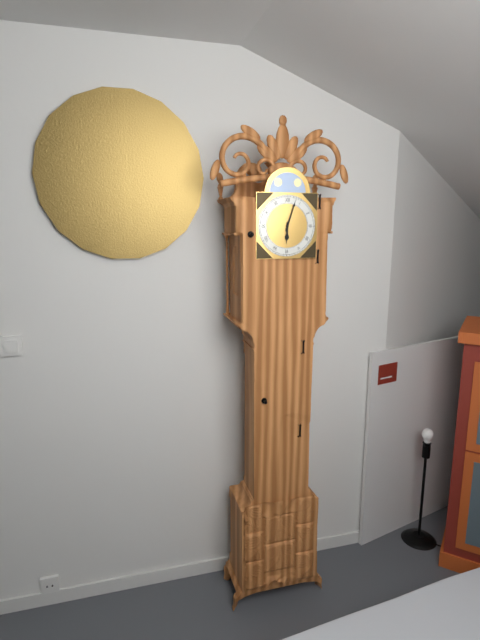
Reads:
{"hour": 6, "minute": 3}
